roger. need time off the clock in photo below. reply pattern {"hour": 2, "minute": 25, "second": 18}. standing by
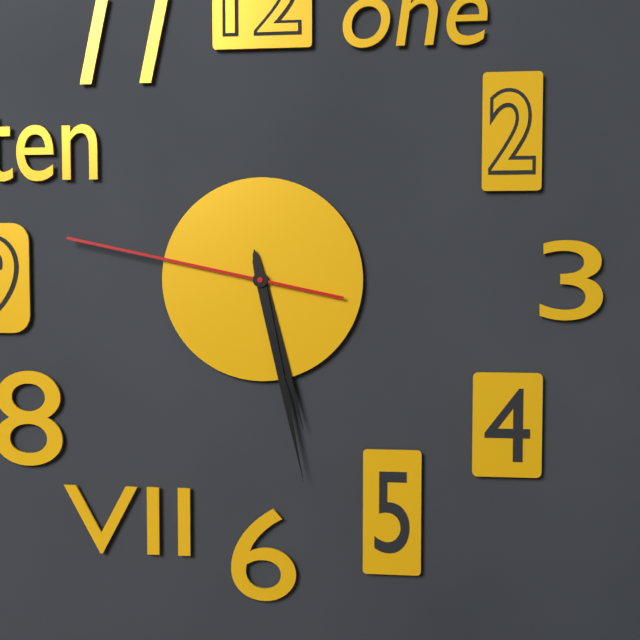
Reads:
{"hour": 5, "minute": 28, "second": 47}
